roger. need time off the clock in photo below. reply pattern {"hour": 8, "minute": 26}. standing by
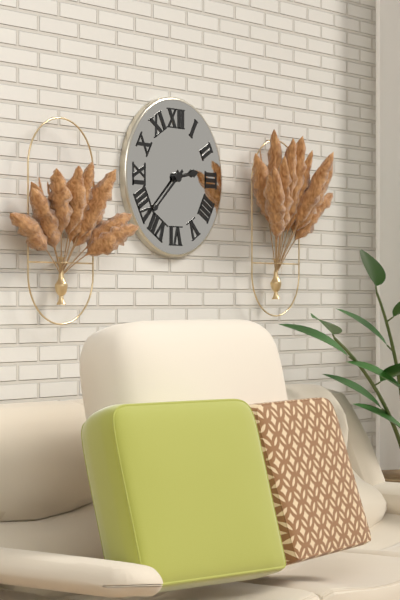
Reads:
{"hour": 2, "minute": 38}
